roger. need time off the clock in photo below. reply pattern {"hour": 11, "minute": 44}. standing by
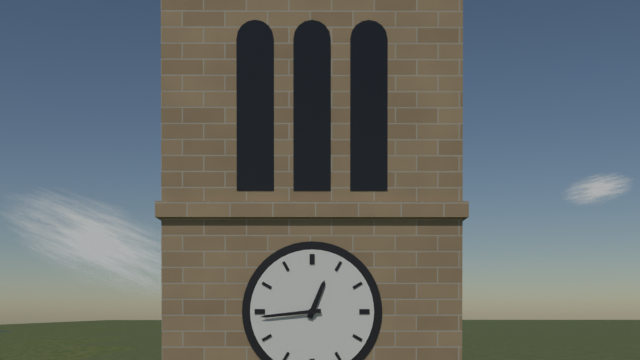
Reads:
{"hour": 12, "minute": 44}
